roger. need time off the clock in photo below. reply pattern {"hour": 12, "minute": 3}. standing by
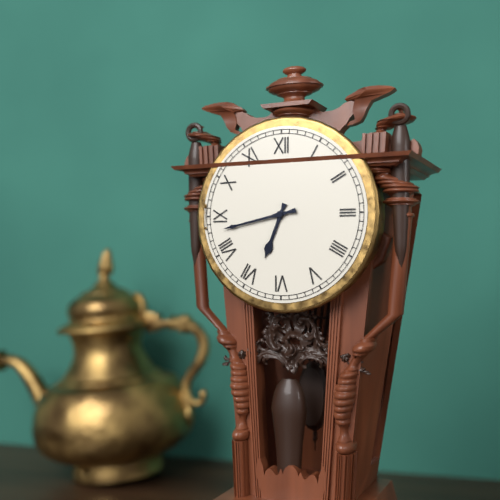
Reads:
{"hour": 6, "minute": 43}
